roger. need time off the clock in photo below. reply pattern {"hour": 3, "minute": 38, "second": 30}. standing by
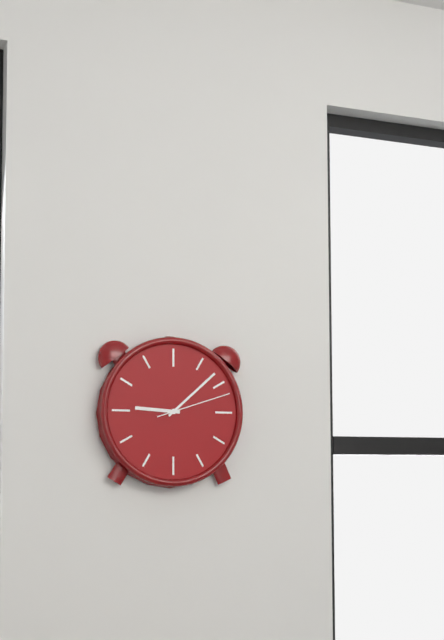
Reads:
{"hour": 9, "minute": 8, "second": 12}
